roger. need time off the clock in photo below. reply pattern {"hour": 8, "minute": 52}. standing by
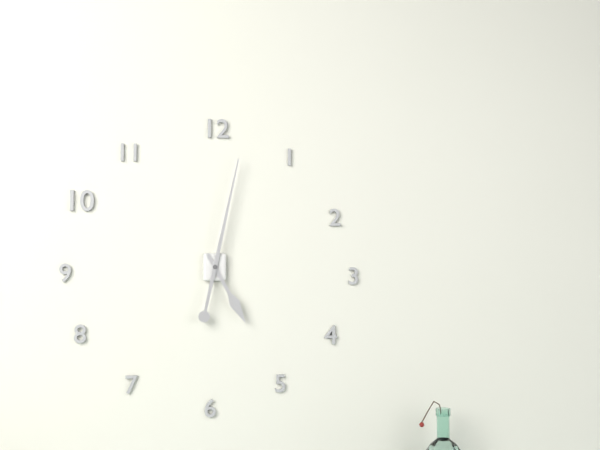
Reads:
{"hour": 5, "minute": 2}
